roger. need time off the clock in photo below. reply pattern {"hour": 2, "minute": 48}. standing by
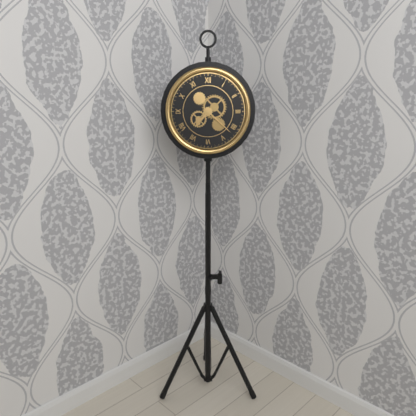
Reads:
{"hour": 7, "minute": 22}
